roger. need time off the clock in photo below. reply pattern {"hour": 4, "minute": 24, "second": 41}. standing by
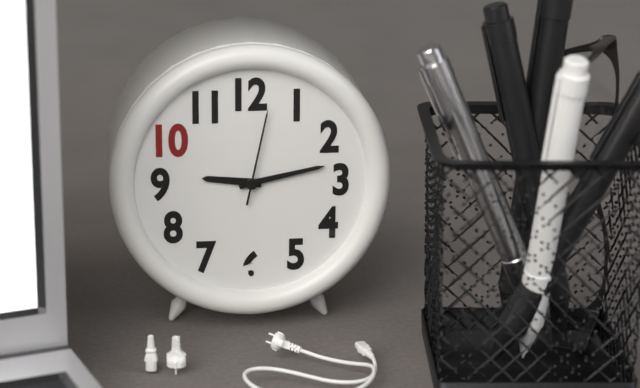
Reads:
{"hour": 9, "minute": 13, "second": 2}
